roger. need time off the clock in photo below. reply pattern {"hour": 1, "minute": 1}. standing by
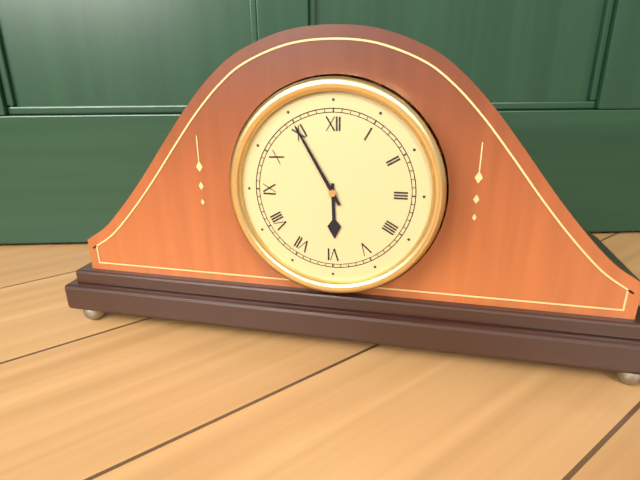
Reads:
{"hour": 5, "minute": 55}
